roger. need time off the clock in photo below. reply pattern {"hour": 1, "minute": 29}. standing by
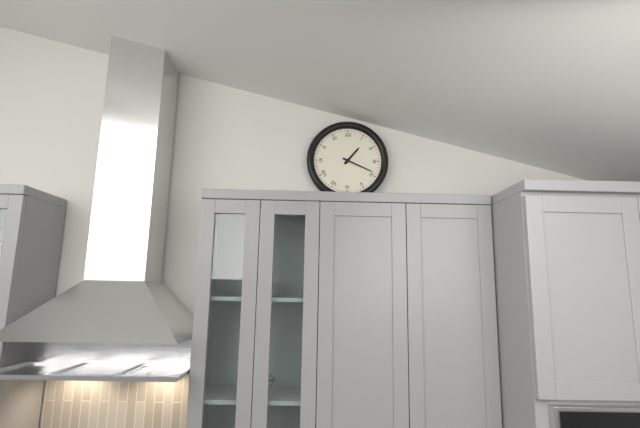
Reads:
{"hour": 1, "minute": 19}
